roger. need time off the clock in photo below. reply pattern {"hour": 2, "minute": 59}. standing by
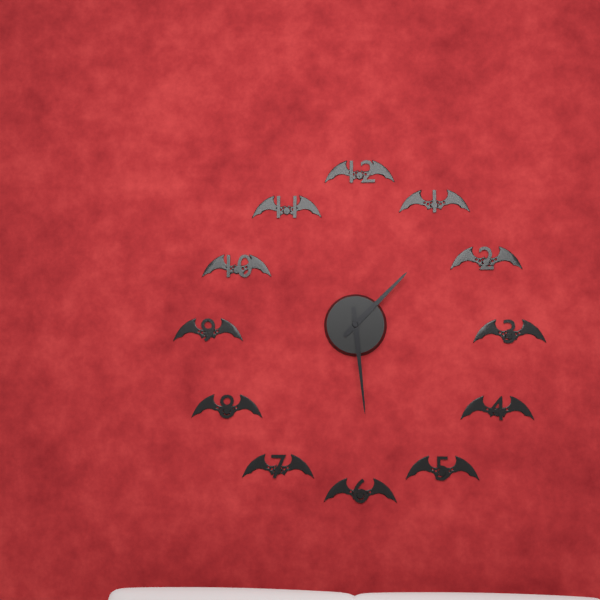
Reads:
{"hour": 1, "minute": 29}
